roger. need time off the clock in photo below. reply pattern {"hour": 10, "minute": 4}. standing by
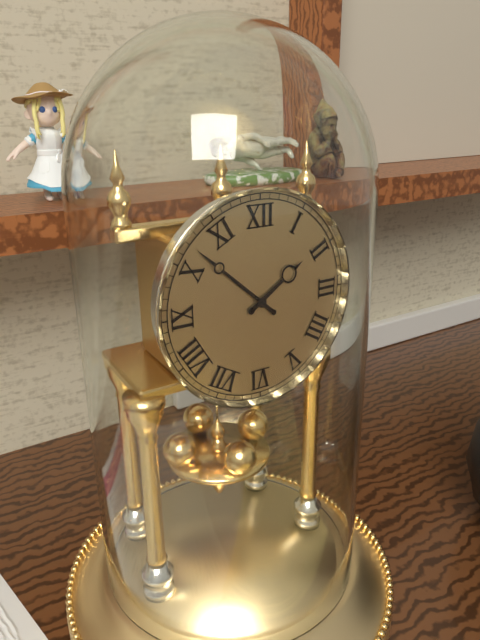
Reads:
{"hour": 1, "minute": 52}
